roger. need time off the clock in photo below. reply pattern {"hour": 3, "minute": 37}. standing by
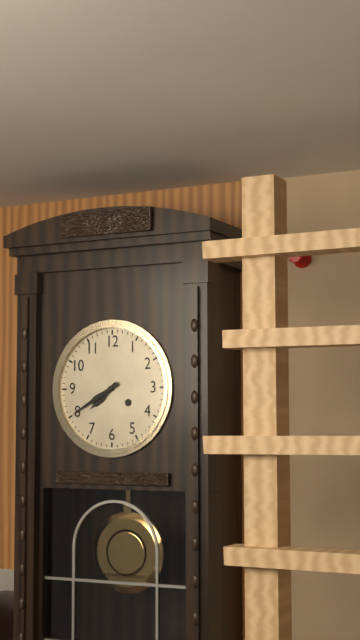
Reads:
{"hour": 7, "minute": 40}
